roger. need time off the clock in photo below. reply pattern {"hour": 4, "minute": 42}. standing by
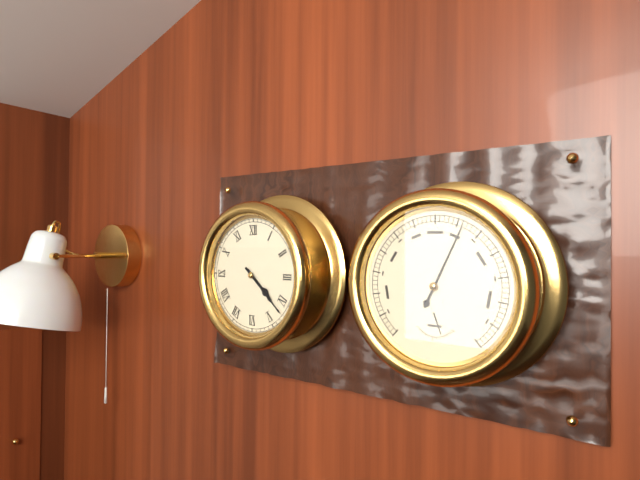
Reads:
{"hour": 4, "minute": 22}
